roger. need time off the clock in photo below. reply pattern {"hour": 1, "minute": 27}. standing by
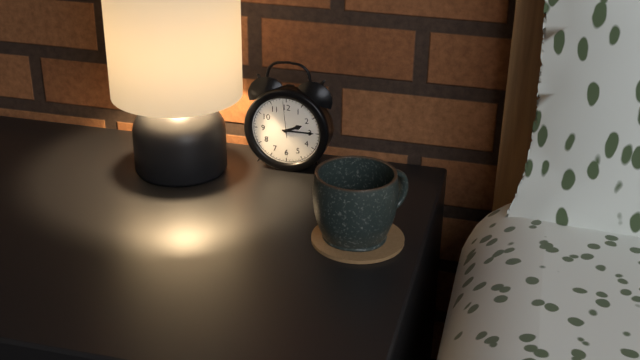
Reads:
{"hour": 2, "minute": 15}
